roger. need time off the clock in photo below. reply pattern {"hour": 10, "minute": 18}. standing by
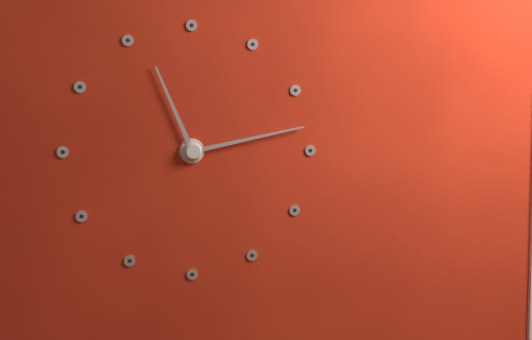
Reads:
{"hour": 11, "minute": 13}
